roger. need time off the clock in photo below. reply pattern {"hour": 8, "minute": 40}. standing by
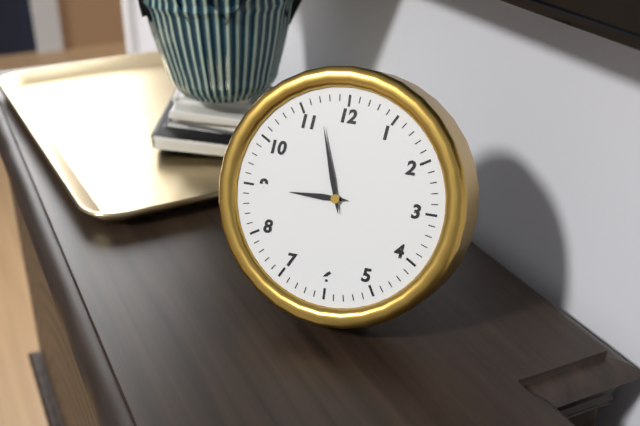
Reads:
{"hour": 8, "minute": 57}
